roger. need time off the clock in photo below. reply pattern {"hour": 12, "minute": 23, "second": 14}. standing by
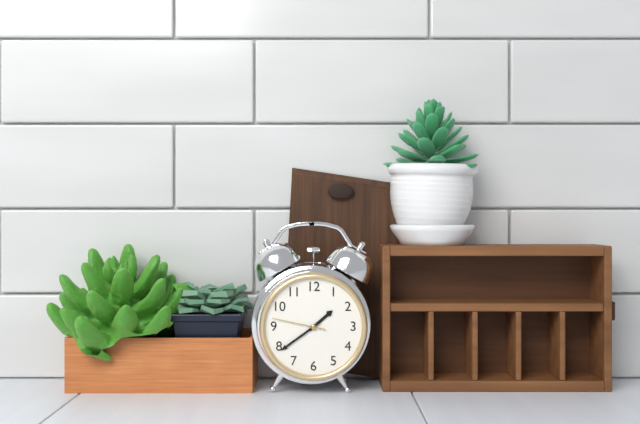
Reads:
{"hour": 1, "minute": 39, "second": 47}
